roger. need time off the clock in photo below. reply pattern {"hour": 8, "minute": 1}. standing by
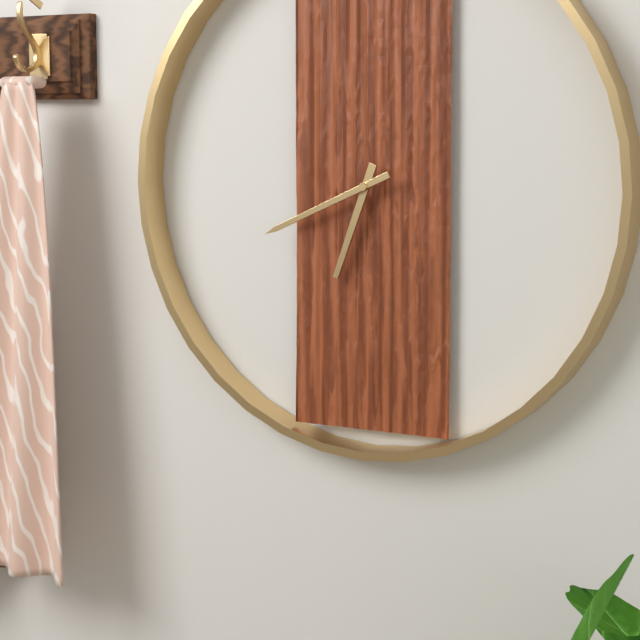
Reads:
{"hour": 6, "minute": 41}
